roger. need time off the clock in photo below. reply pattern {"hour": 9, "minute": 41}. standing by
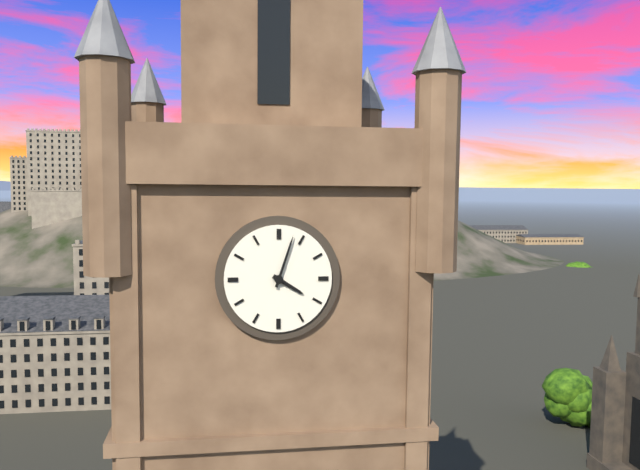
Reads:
{"hour": 4, "minute": 3}
